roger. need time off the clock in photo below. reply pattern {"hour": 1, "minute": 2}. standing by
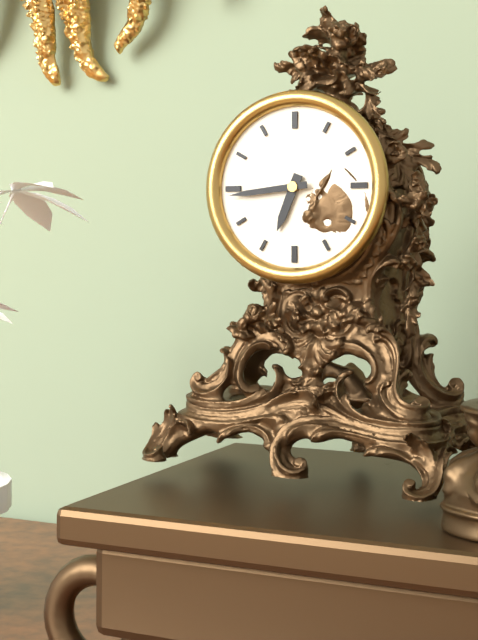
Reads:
{"hour": 6, "minute": 44}
